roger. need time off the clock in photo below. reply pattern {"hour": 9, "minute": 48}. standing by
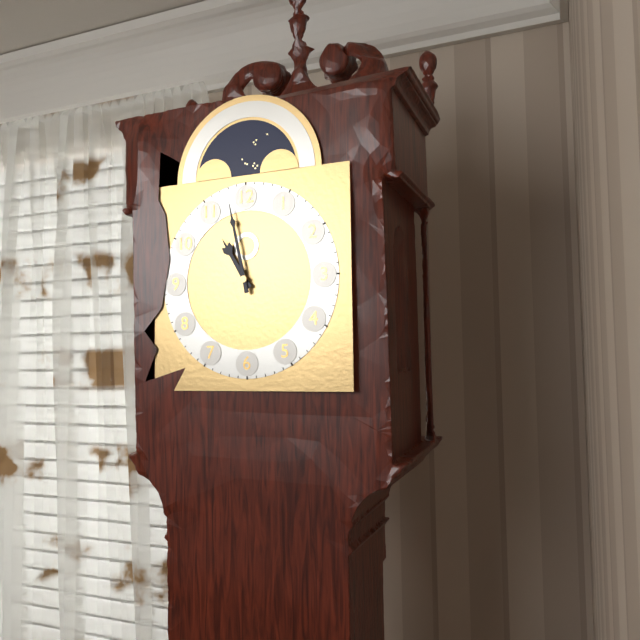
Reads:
{"hour": 10, "minute": 58}
